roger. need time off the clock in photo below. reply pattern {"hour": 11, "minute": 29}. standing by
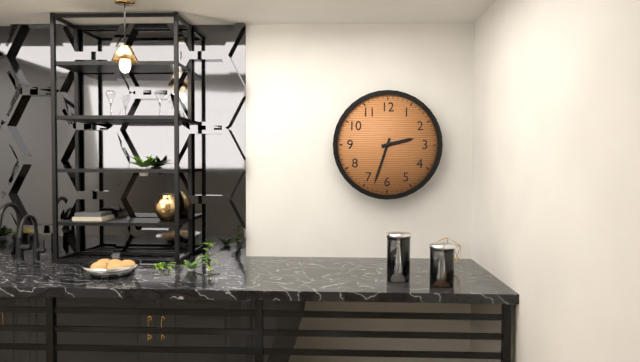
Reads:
{"hour": 2, "minute": 33}
